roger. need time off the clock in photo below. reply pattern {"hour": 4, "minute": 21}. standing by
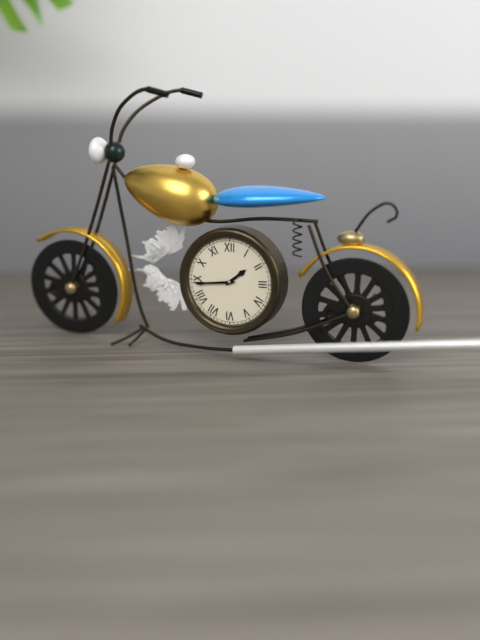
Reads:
{"hour": 1, "minute": 44}
